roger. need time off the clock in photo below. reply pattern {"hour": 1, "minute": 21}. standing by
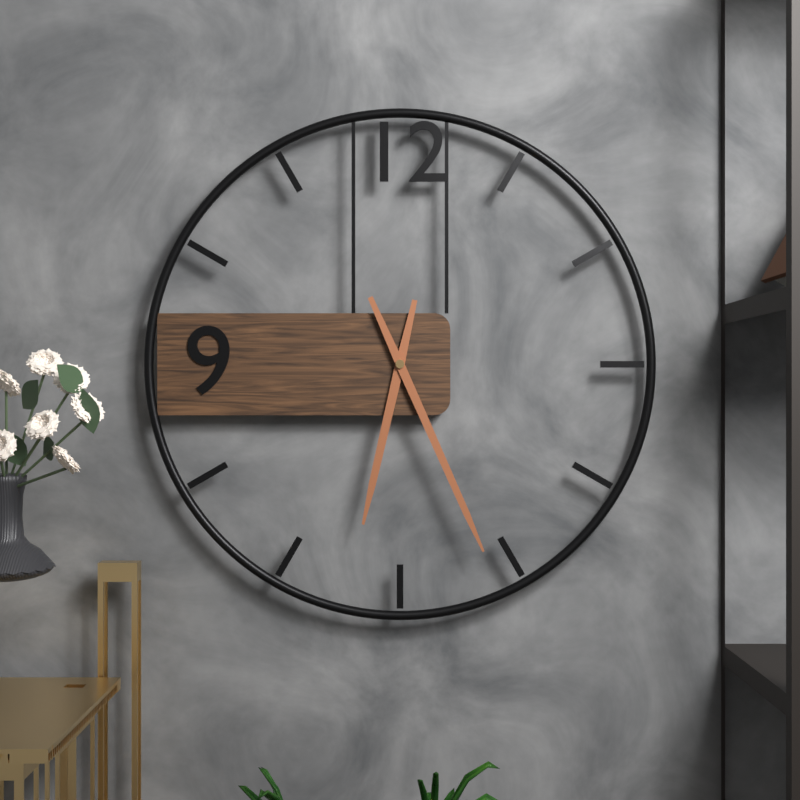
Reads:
{"hour": 6, "minute": 26}
